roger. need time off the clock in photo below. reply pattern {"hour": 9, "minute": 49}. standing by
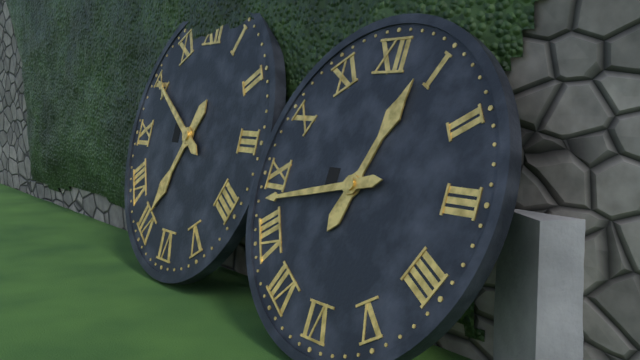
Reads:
{"hour": 12, "minute": 43}
